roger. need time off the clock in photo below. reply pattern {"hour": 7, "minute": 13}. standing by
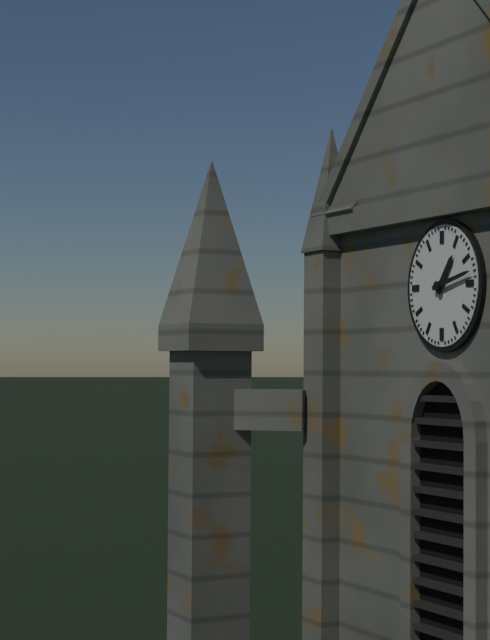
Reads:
{"hour": 1, "minute": 13}
